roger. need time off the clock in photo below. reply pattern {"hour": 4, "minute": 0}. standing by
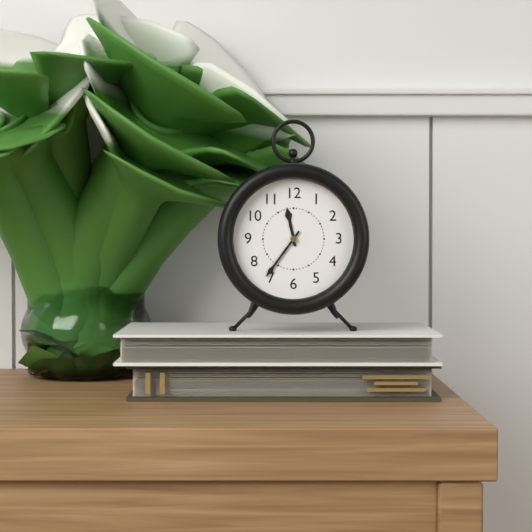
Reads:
{"hour": 11, "minute": 36}
